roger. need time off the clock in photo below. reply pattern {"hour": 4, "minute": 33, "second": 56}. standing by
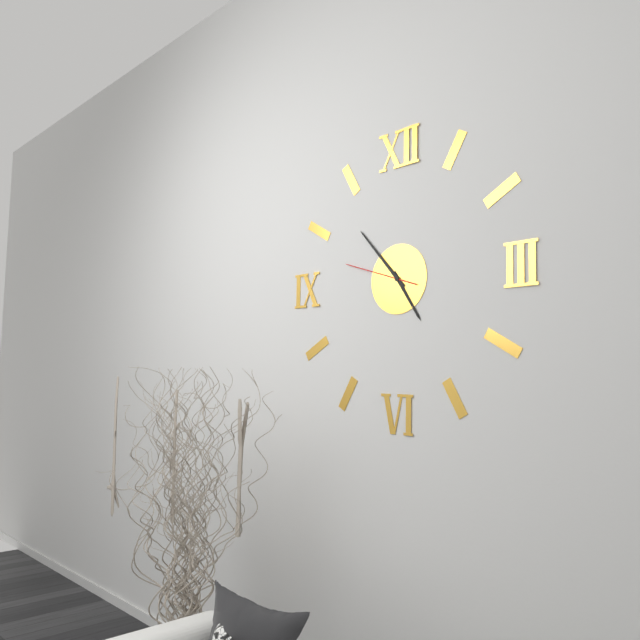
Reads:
{"hour": 4, "minute": 53, "second": 48}
